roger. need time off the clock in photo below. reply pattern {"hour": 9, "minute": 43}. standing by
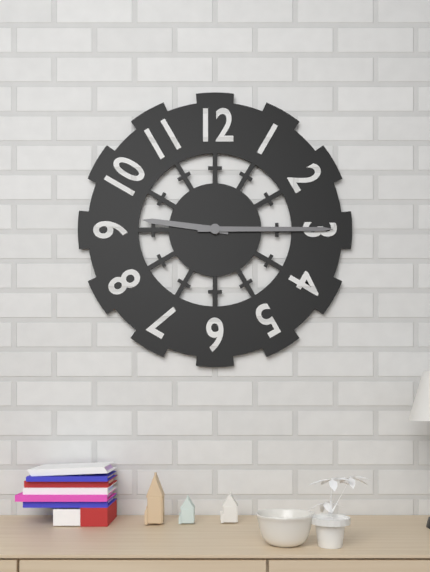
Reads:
{"hour": 9, "minute": 15}
